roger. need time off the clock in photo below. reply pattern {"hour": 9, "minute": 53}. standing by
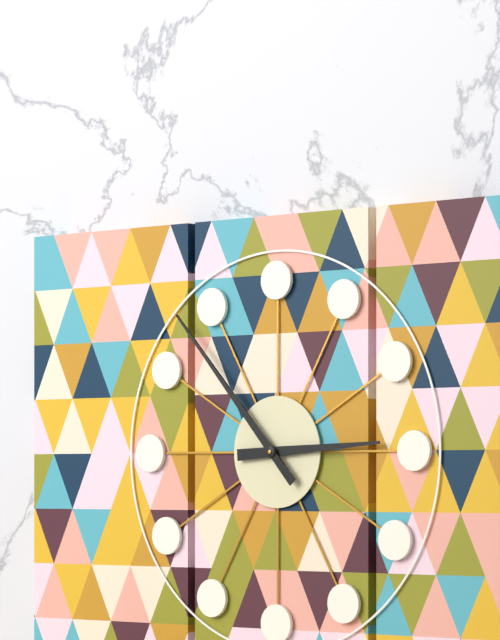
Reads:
{"hour": 2, "minute": 53}
